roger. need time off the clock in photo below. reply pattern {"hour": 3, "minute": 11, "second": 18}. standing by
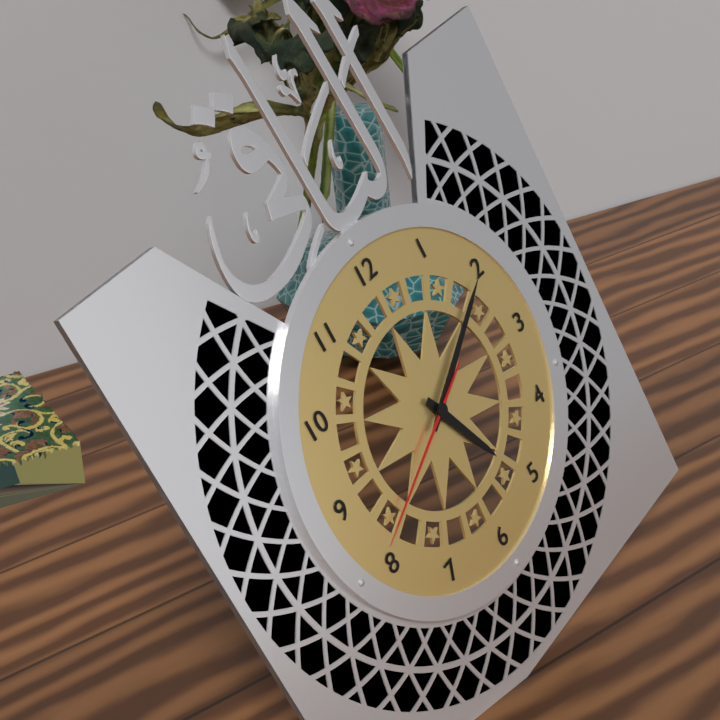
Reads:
{"hour": 5, "minute": 10, "second": 41}
